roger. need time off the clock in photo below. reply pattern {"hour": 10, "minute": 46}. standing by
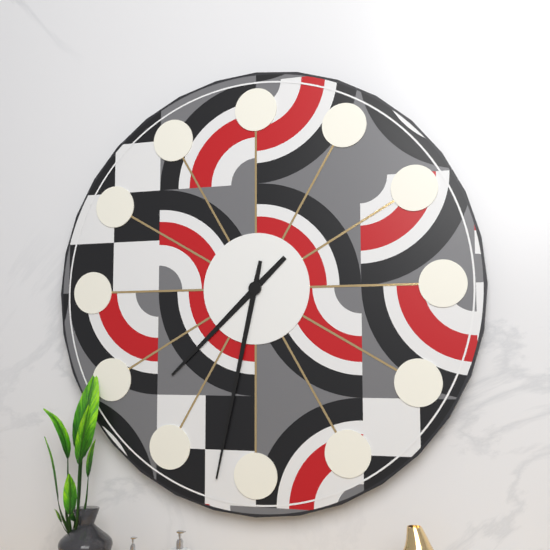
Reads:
{"hour": 7, "minute": 32}
